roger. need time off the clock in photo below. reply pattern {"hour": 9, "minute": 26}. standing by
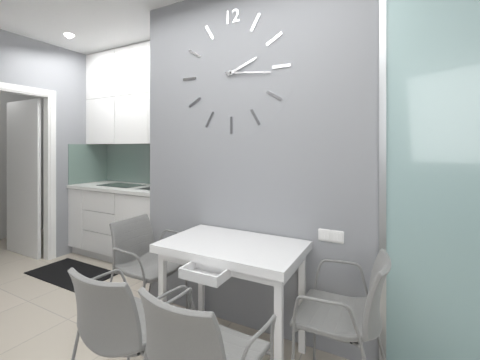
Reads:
{"hour": 2, "minute": 16}
